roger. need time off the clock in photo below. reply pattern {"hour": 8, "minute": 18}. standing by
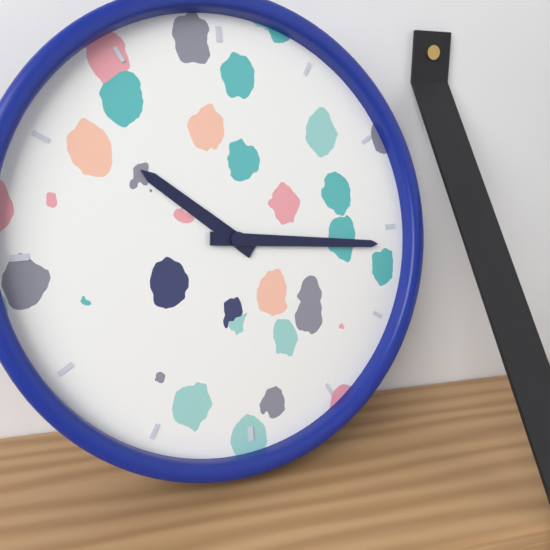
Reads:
{"hour": 10, "minute": 16}
